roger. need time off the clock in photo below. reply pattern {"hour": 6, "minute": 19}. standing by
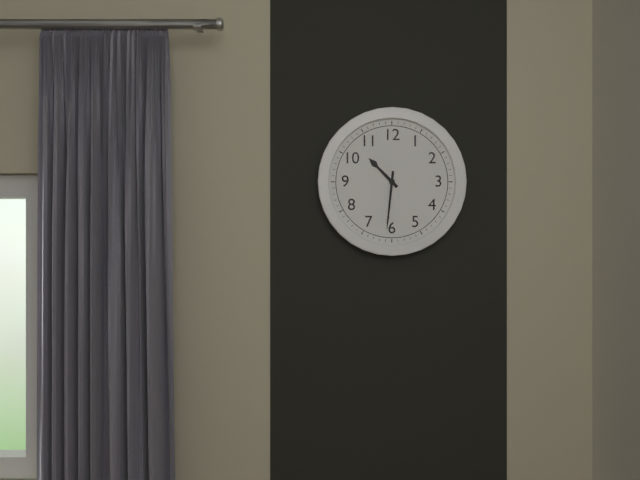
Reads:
{"hour": 10, "minute": 31}
